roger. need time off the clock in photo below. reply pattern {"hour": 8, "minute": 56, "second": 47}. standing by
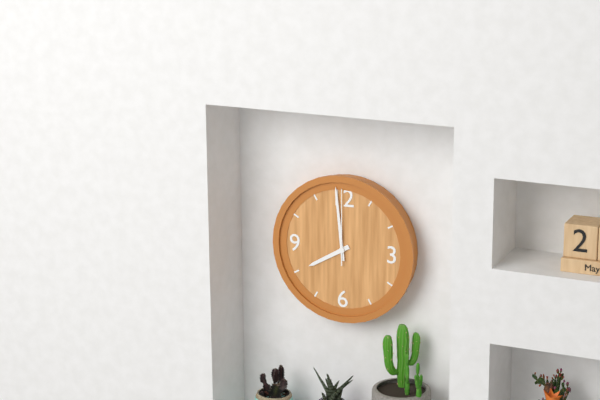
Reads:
{"hour": 7, "minute": 59, "second": 0}
